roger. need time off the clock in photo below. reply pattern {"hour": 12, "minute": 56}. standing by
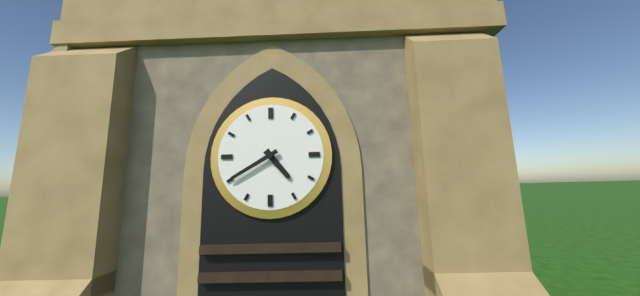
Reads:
{"hour": 4, "minute": 40}
